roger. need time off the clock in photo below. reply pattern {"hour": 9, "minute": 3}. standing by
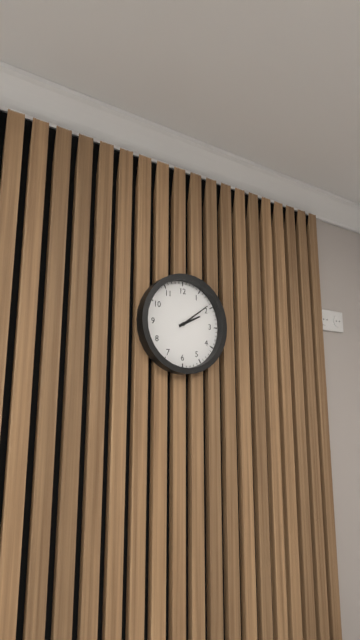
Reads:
{"hour": 2, "minute": 9}
